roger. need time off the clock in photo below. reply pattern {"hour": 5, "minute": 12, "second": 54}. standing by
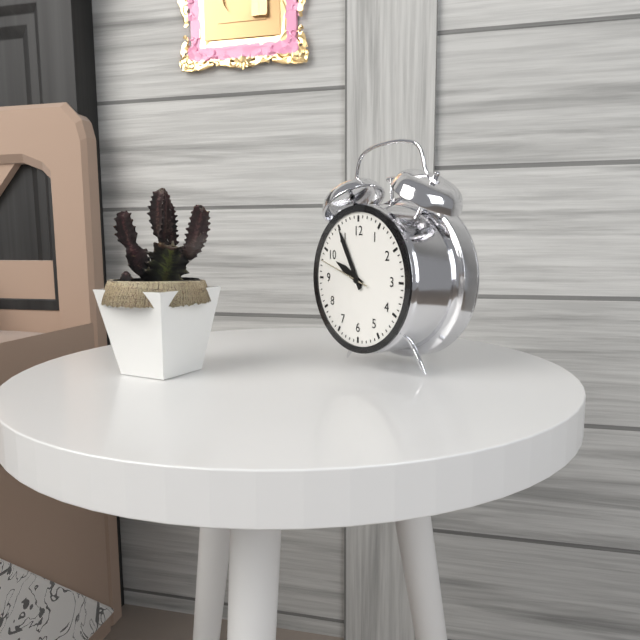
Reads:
{"hour": 9, "minute": 55, "second": 48}
